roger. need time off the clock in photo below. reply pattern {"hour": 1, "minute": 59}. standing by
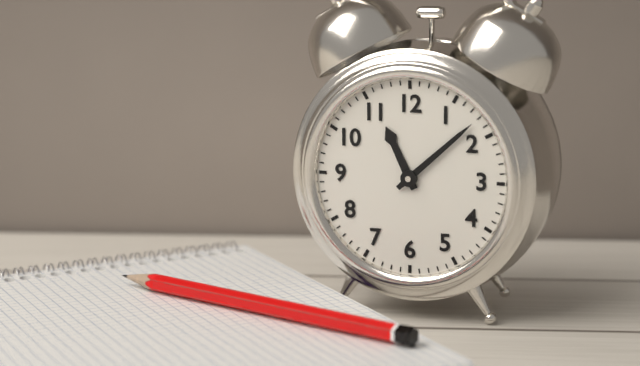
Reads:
{"hour": 11, "minute": 8}
